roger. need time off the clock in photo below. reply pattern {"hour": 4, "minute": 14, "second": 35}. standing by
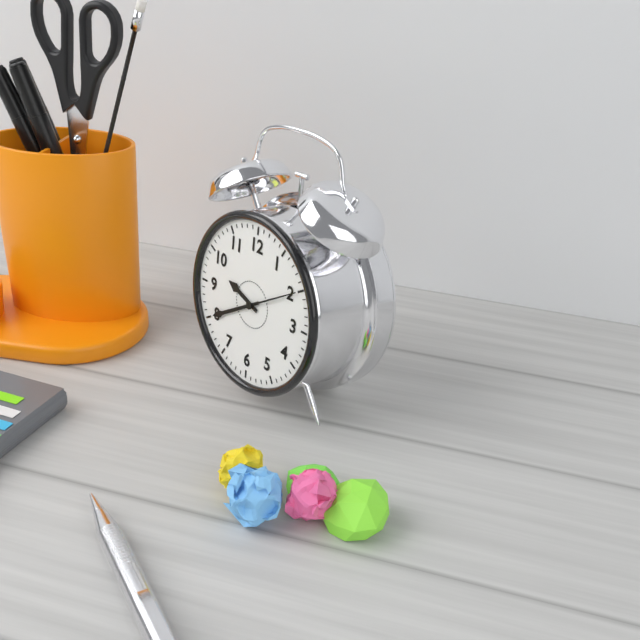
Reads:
{"hour": 9, "minute": 40, "second": 10}
